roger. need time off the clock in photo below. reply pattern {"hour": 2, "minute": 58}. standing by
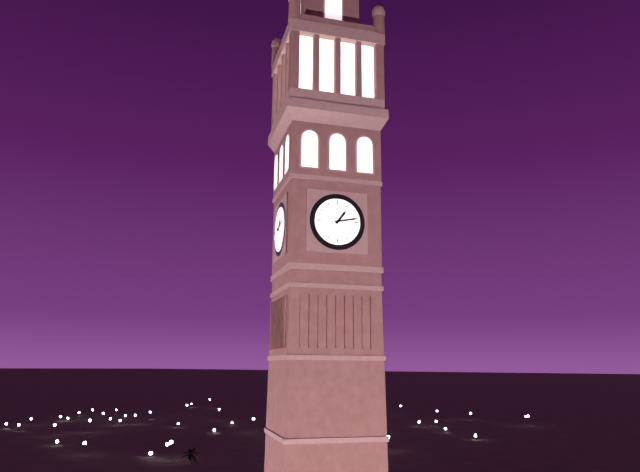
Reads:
{"hour": 1, "minute": 13}
